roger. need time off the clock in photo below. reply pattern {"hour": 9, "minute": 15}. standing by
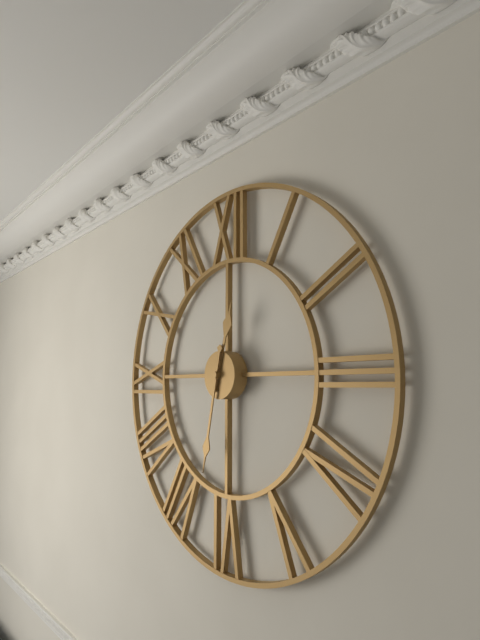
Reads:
{"hour": 12, "minute": 32}
